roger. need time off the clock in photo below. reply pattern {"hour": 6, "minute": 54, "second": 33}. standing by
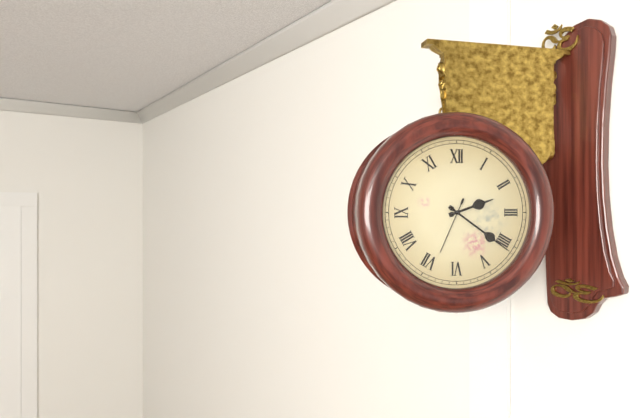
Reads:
{"hour": 2, "minute": 21, "second": 34}
